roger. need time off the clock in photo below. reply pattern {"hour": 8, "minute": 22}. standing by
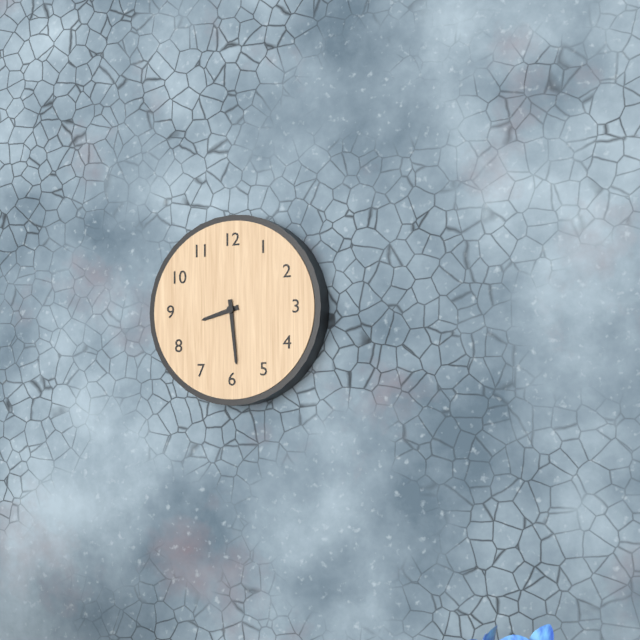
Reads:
{"hour": 8, "minute": 29}
